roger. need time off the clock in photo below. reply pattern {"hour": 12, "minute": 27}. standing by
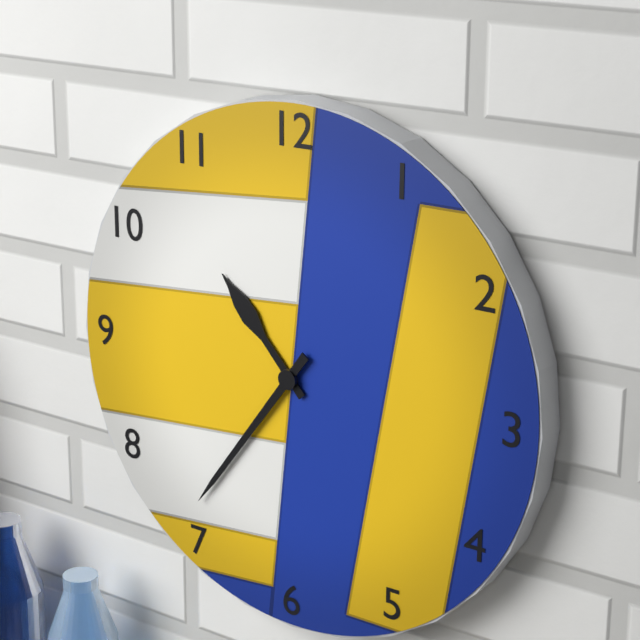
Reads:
{"hour": 10, "minute": 36}
